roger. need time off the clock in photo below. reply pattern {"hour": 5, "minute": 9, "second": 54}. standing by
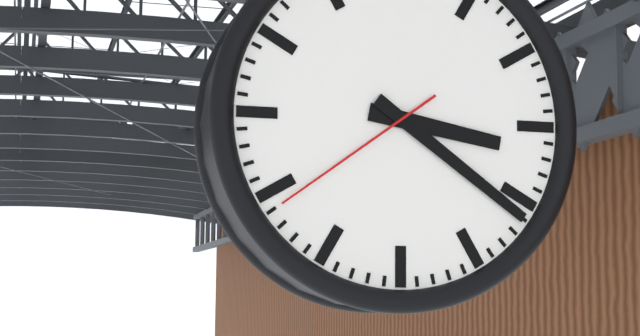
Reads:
{"hour": 3, "minute": 21, "second": 39}
